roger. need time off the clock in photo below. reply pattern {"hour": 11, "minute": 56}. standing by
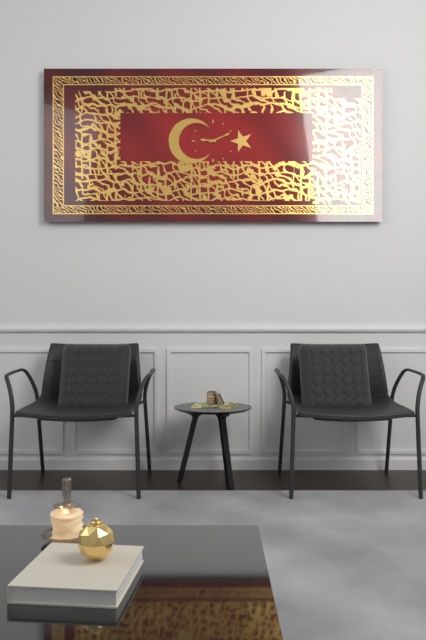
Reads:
{"hour": 9, "minute": 11}
